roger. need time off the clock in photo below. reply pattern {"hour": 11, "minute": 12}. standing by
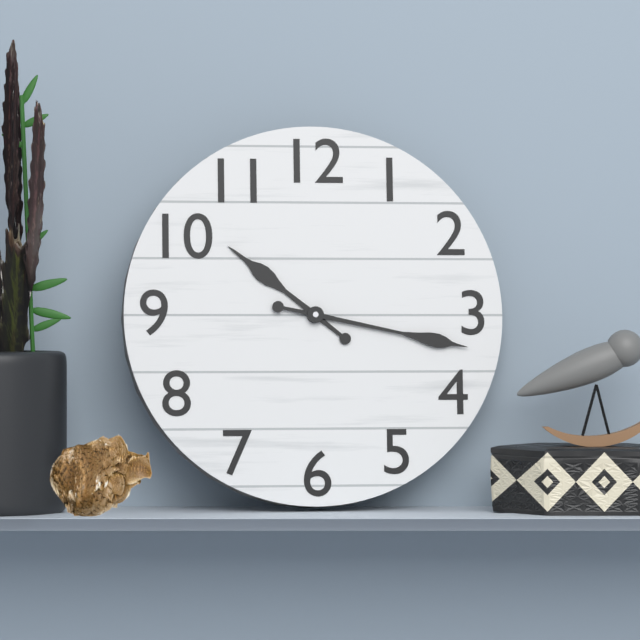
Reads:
{"hour": 10, "minute": 17}
